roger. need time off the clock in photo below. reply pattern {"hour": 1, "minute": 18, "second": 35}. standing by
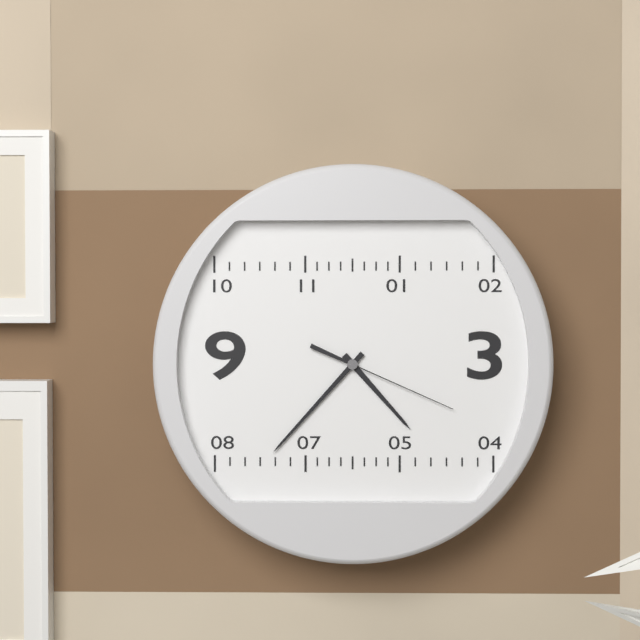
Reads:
{"hour": 4, "minute": 37, "second": 19}
